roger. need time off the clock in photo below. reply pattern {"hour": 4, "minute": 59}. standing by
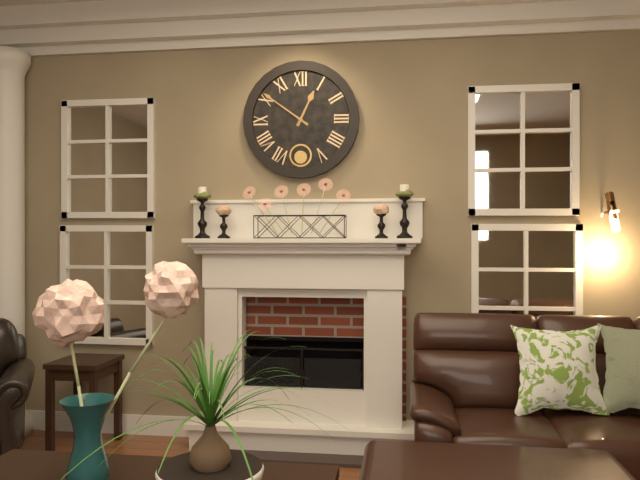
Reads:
{"hour": 12, "minute": 51}
